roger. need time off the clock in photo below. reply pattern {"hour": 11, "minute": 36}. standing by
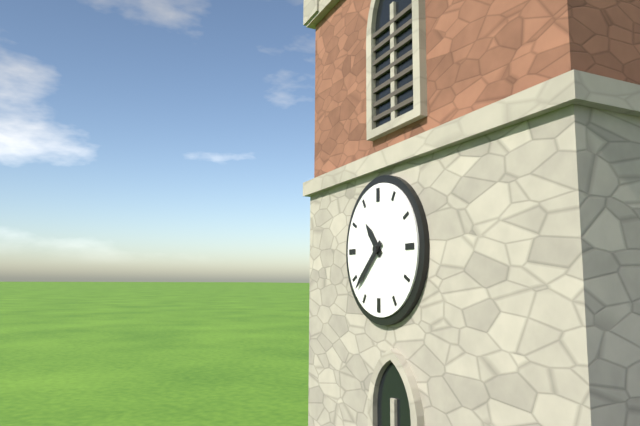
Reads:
{"hour": 10, "minute": 38}
